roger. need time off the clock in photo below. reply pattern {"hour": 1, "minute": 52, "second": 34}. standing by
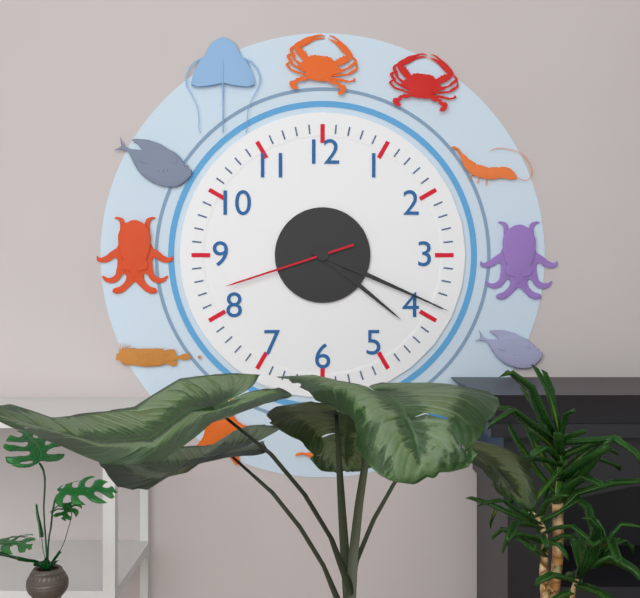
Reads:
{"hour": 4, "minute": 19, "second": 42}
